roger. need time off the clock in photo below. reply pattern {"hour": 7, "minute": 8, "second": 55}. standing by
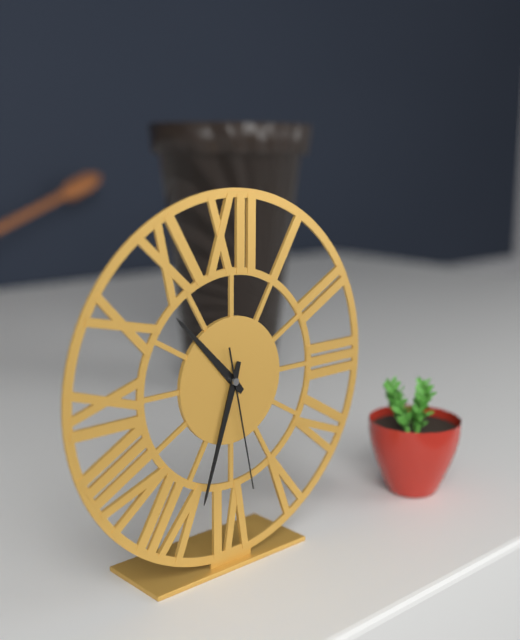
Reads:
{"hour": 10, "minute": 33, "second": 28}
